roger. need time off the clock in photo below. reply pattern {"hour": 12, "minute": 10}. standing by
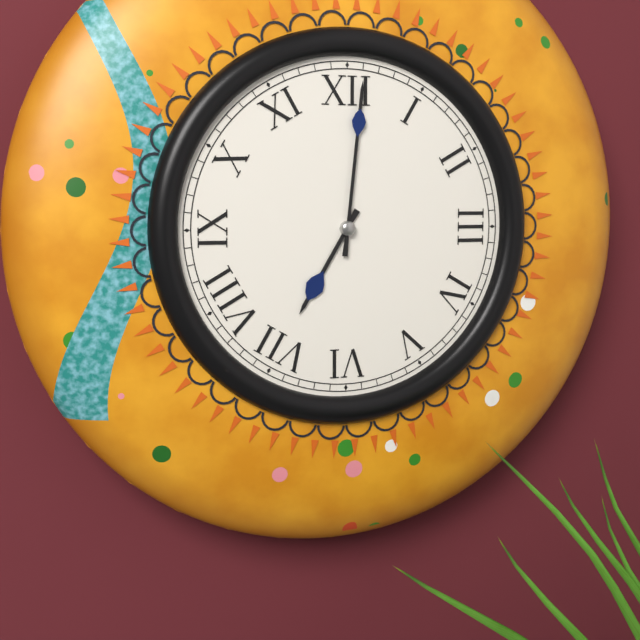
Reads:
{"hour": 7, "minute": 1}
